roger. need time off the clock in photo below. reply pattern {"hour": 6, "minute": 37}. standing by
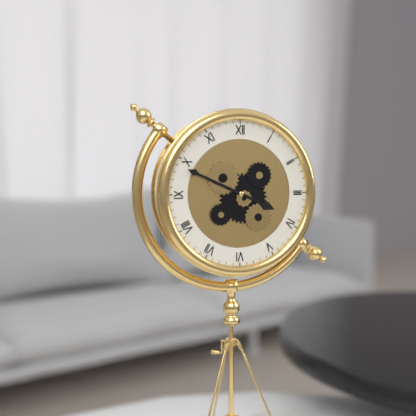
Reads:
{"hour": 3, "minute": 49}
